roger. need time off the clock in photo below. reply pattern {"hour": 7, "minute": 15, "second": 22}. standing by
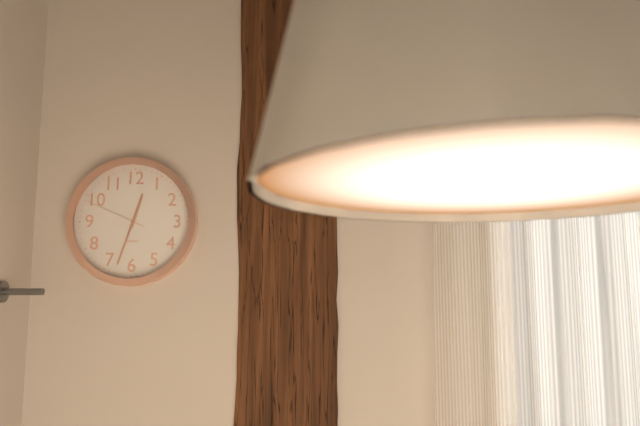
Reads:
{"hour": 12, "minute": 33, "second": 49}
